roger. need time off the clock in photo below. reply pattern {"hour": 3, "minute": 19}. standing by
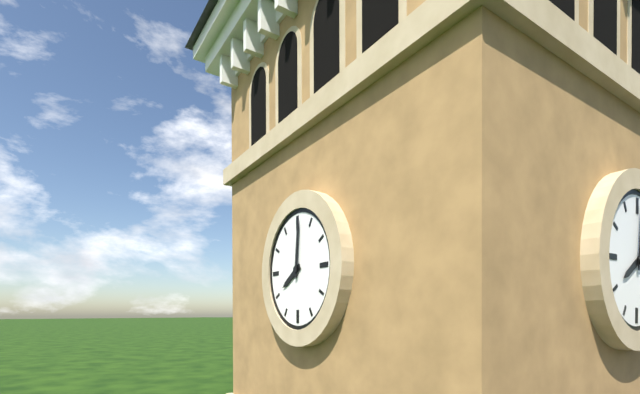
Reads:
{"hour": 8, "minute": 1}
